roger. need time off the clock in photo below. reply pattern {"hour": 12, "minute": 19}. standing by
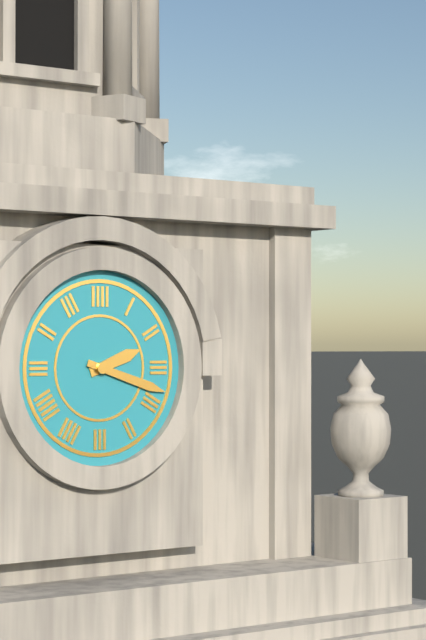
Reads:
{"hour": 2, "minute": 18}
